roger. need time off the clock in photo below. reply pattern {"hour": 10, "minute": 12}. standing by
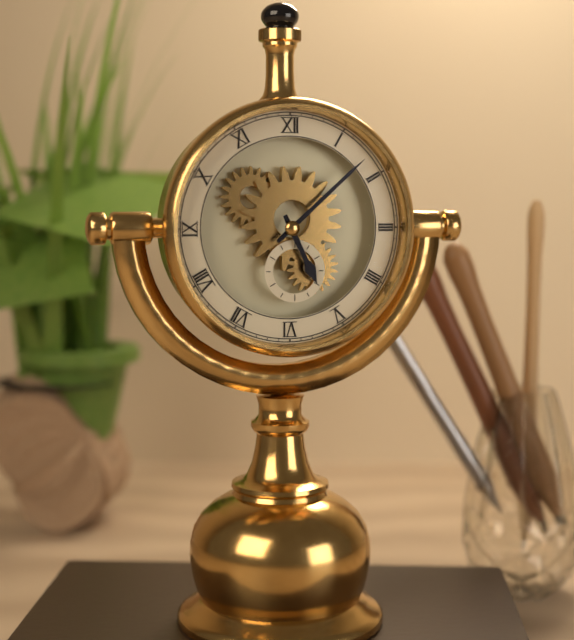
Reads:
{"hour": 5, "minute": 8}
